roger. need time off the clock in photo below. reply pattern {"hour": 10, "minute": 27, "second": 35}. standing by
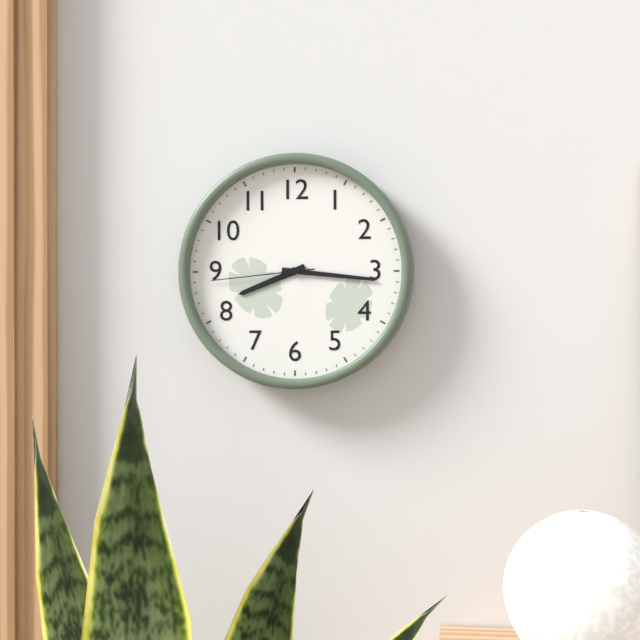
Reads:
{"hour": 8, "minute": 16, "second": 44}
